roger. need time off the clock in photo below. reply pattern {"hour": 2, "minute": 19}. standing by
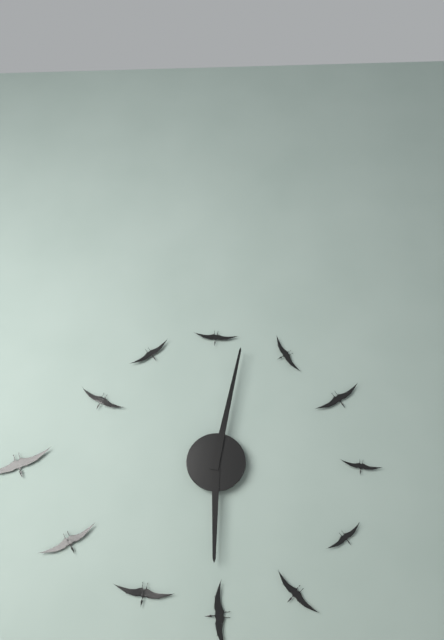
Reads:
{"hour": 6, "minute": 2}
